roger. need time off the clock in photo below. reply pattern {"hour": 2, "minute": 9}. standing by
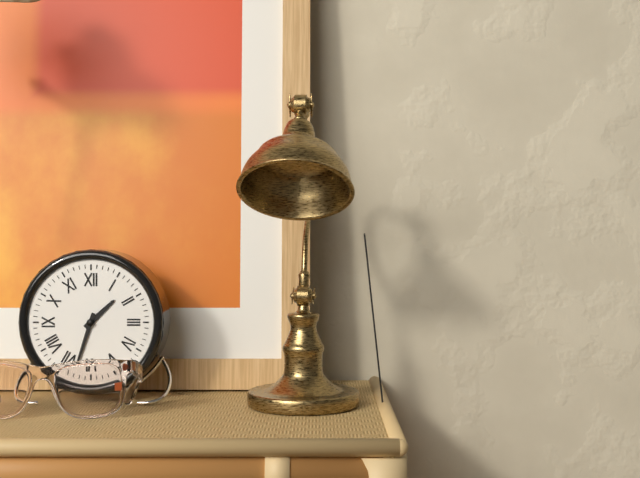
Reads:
{"hour": 1, "minute": 33}
